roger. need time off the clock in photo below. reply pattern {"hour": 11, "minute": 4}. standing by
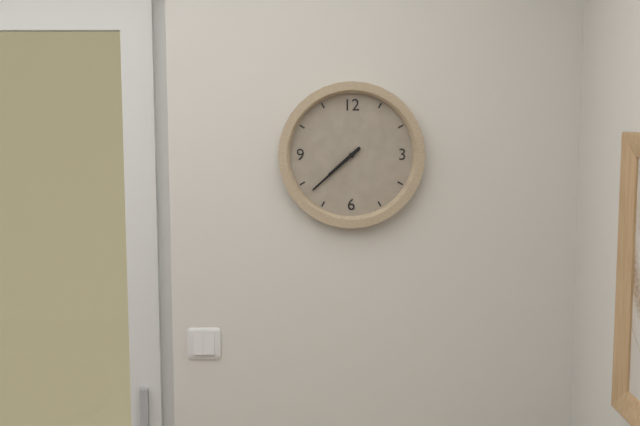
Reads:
{"hour": 7, "minute": 38}
